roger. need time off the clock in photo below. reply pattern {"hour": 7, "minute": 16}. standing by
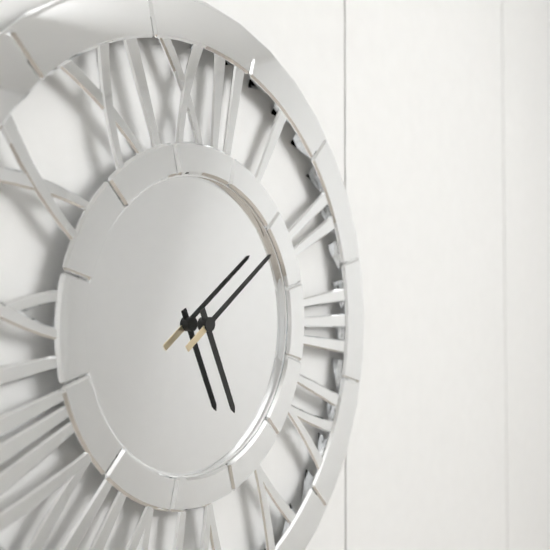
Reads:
{"hour": 5, "minute": 9}
